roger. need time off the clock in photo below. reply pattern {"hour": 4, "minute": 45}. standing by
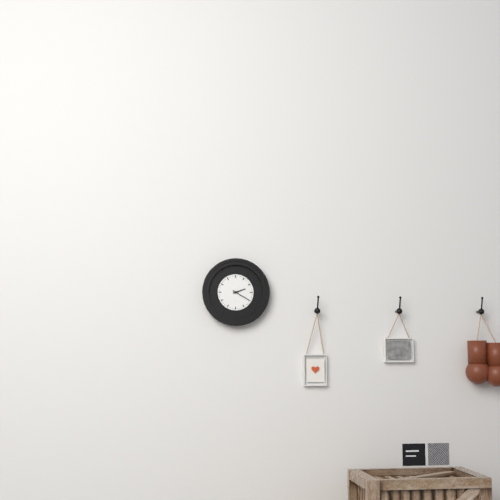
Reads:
{"hour": 2, "minute": 20}
